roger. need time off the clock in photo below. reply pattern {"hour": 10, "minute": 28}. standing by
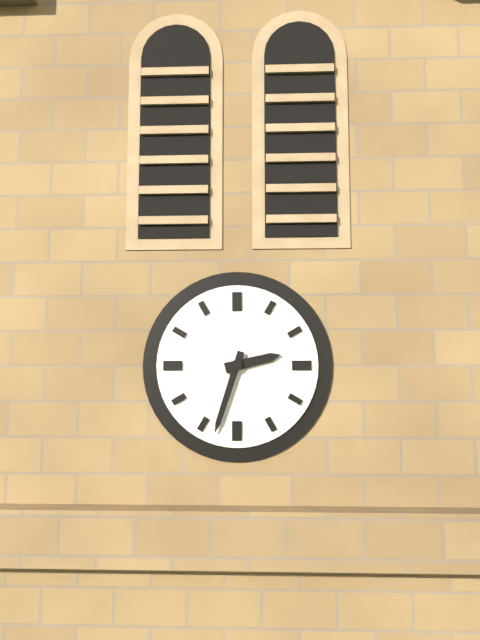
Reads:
{"hour": 2, "minute": 33}
